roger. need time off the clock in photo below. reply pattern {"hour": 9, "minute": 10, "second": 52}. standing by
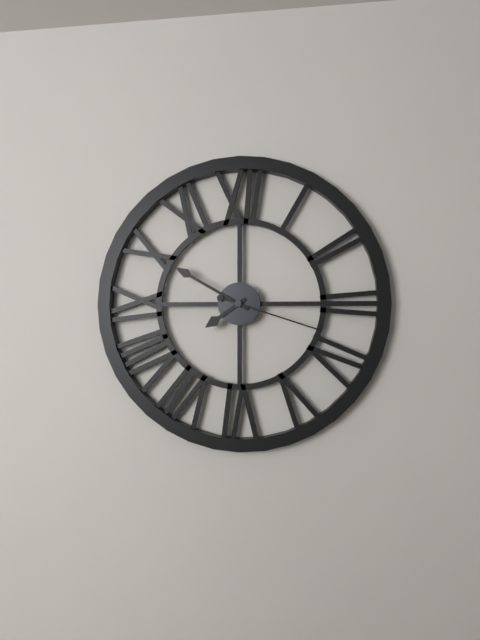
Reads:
{"hour": 7, "minute": 50, "second": 18}
